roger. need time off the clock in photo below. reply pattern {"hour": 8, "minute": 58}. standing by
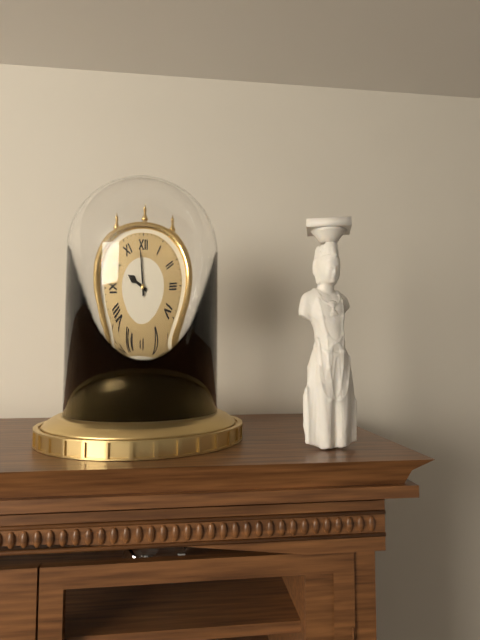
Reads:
{"hour": 9, "minute": 59}
